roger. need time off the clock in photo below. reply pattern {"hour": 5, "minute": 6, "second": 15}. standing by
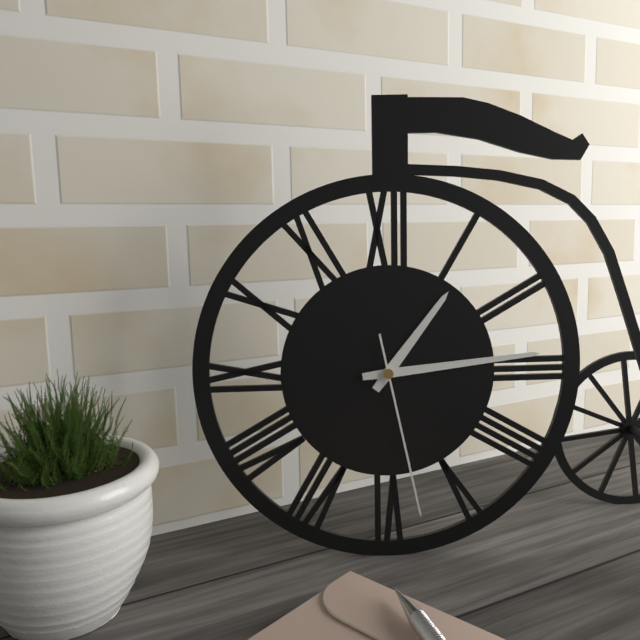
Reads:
{"hour": 1, "minute": 14, "second": 28}
